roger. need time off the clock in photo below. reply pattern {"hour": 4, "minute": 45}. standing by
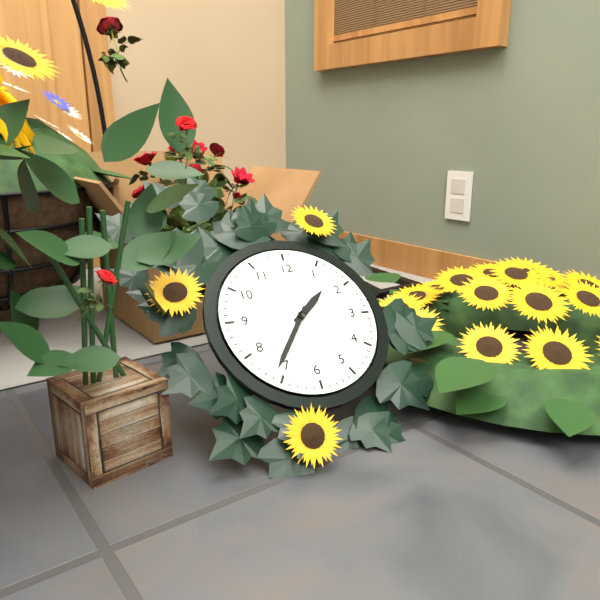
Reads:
{"hour": 1, "minute": 36}
